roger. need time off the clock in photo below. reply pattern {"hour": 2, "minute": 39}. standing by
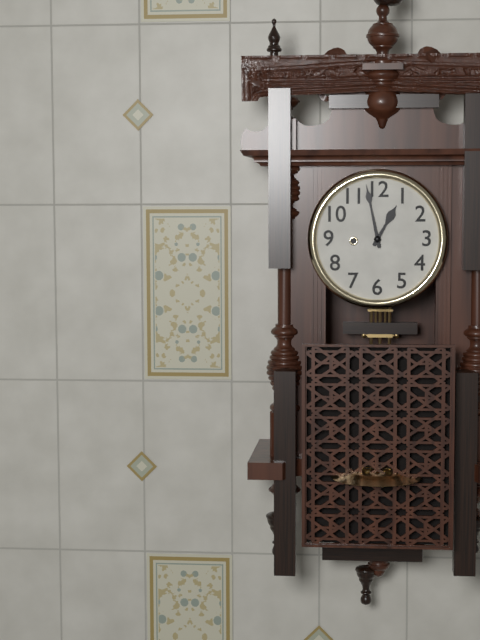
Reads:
{"hour": 12, "minute": 58}
